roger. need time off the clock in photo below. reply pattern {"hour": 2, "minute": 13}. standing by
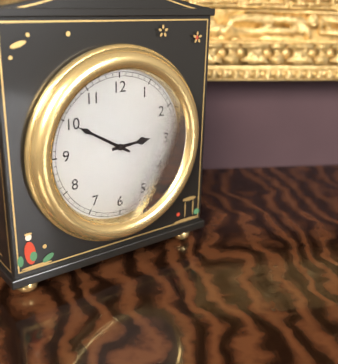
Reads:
{"hour": 2, "minute": 50}
